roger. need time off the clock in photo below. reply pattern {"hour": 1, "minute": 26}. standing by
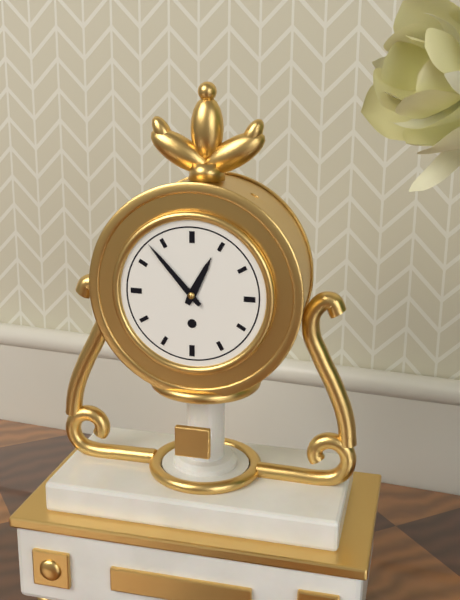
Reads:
{"hour": 12, "minute": 53}
